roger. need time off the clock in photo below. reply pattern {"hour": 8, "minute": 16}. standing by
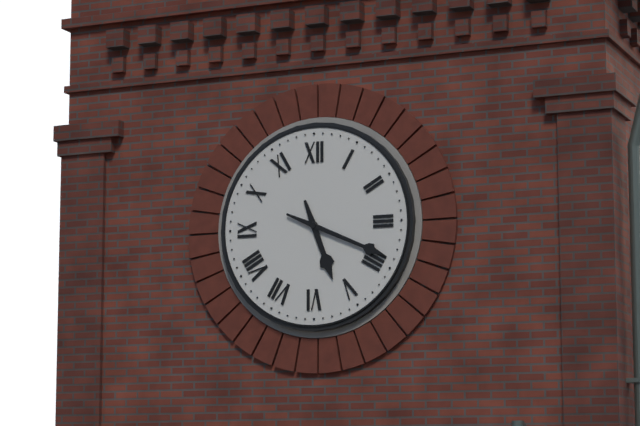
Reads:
{"hour": 5, "minute": 19}
